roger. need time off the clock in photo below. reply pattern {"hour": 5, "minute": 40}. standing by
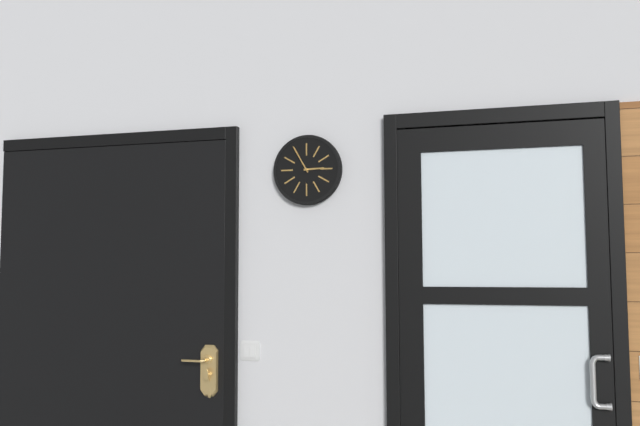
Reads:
{"hour": 2, "minute": 55}
